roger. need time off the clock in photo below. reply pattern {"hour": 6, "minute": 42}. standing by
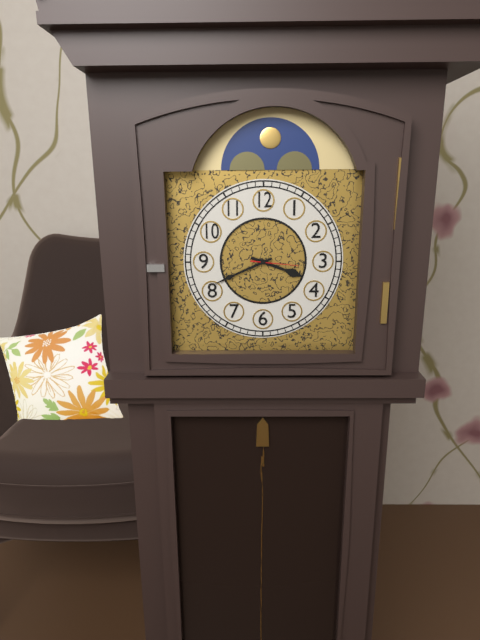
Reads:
{"hour": 3, "minute": 41}
